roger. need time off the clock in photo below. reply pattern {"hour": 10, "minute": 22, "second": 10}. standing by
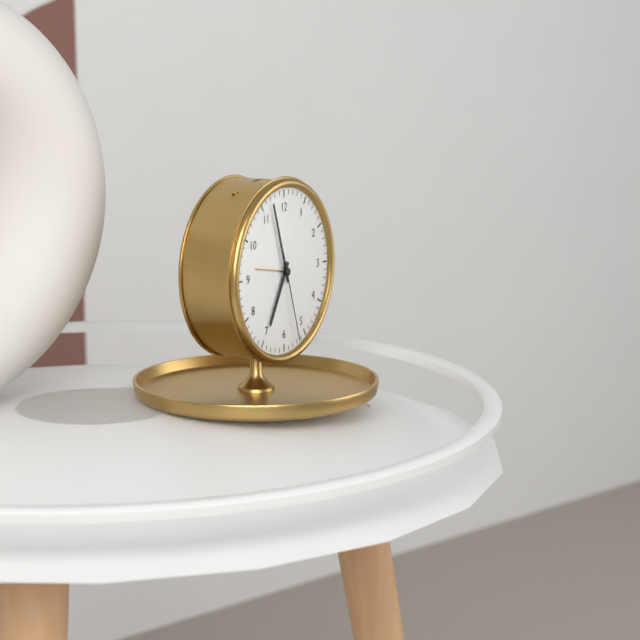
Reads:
{"hour": 6, "minute": 57, "second": 27}
